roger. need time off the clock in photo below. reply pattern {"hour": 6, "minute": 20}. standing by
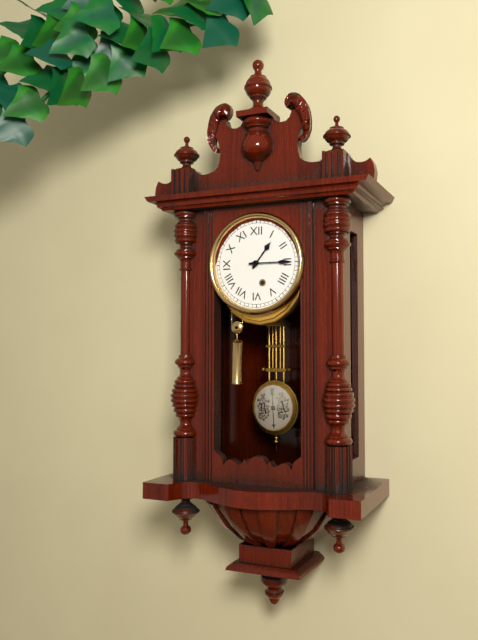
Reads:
{"hour": 1, "minute": 15}
